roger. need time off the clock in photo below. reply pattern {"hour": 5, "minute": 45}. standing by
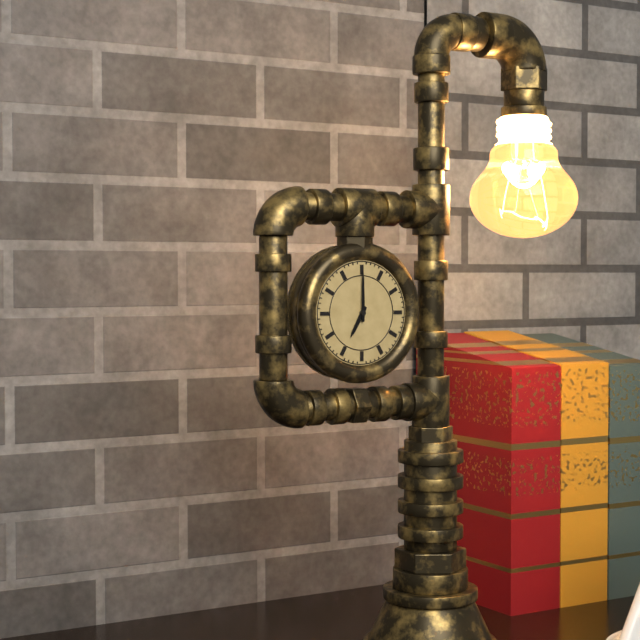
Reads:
{"hour": 7, "minute": 0}
